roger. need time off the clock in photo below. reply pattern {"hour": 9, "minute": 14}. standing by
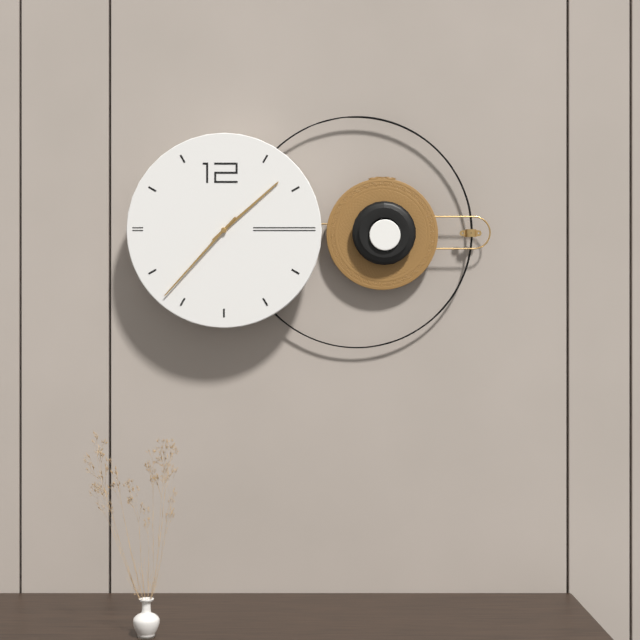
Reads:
{"hour": 1, "minute": 37}
